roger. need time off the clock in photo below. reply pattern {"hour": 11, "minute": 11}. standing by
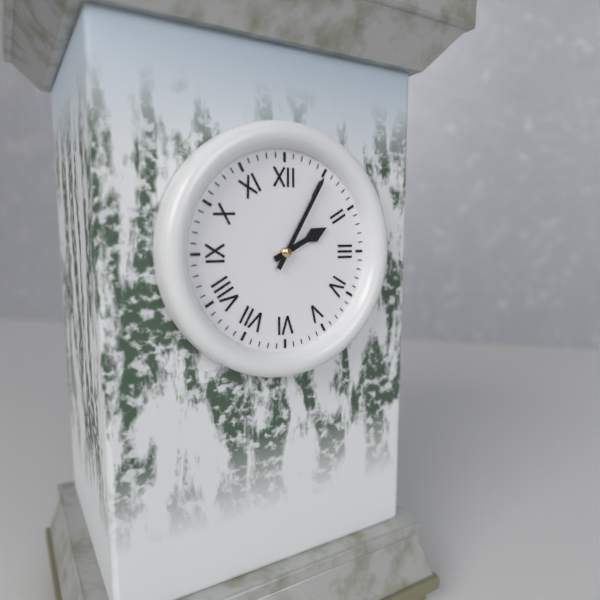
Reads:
{"hour": 2, "minute": 5}
